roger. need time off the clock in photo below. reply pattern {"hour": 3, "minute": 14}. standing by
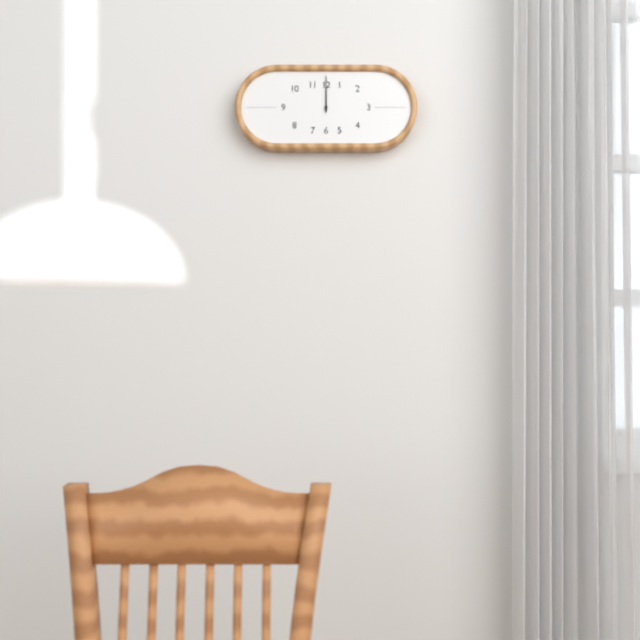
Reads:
{"hour": 12, "minute": 0}
